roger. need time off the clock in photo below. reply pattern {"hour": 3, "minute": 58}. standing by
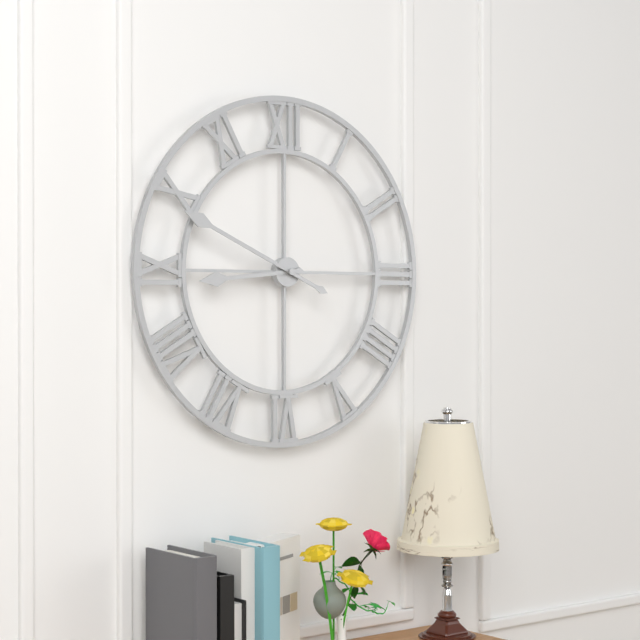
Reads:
{"hour": 8, "minute": 49}
